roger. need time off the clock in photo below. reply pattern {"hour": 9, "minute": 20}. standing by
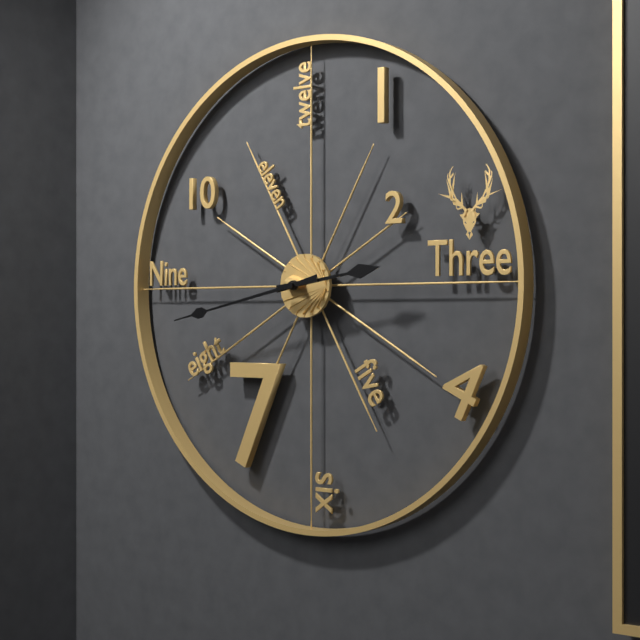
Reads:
{"hour": 2, "minute": 43}
